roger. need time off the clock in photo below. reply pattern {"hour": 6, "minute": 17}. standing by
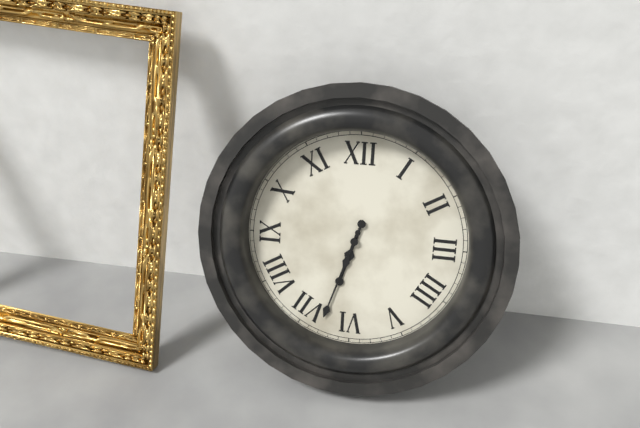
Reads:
{"hour": 6, "minute": 33}
